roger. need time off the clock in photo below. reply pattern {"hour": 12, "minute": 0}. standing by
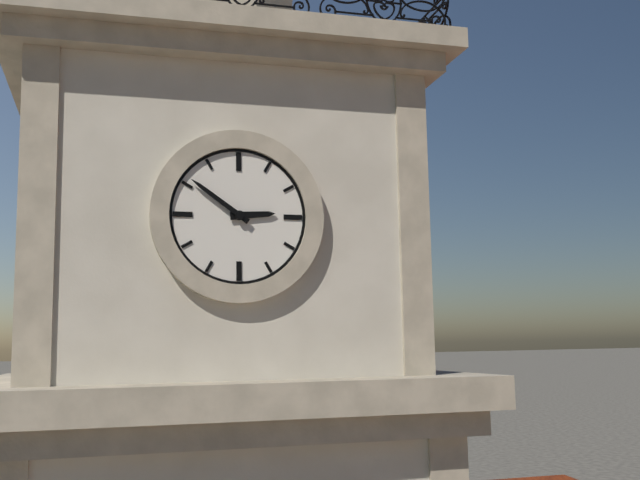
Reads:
{"hour": 2, "minute": 51}
